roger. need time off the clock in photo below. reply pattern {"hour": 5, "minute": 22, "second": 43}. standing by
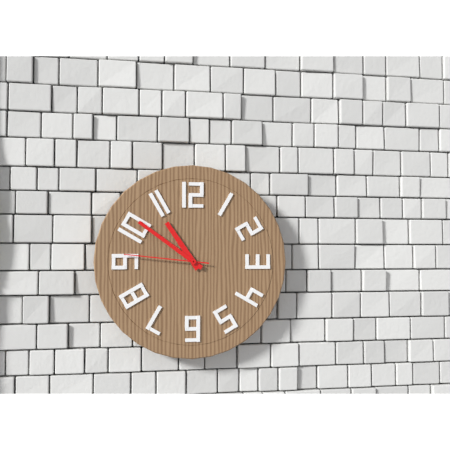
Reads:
{"hour": 10, "minute": 51, "second": 46}
